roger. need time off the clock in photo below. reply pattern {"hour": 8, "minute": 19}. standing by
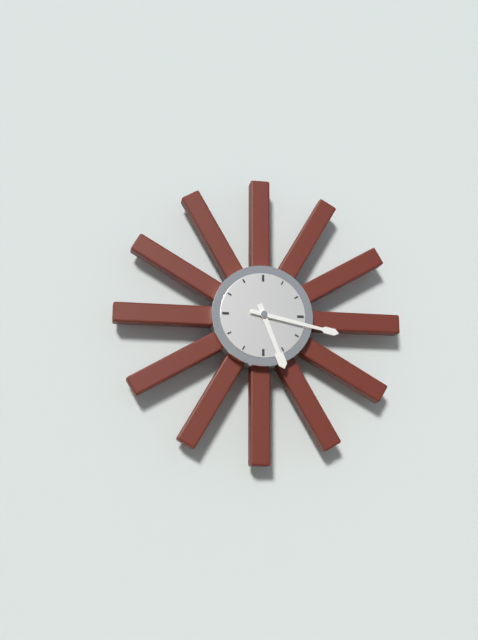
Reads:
{"hour": 5, "minute": 17}
